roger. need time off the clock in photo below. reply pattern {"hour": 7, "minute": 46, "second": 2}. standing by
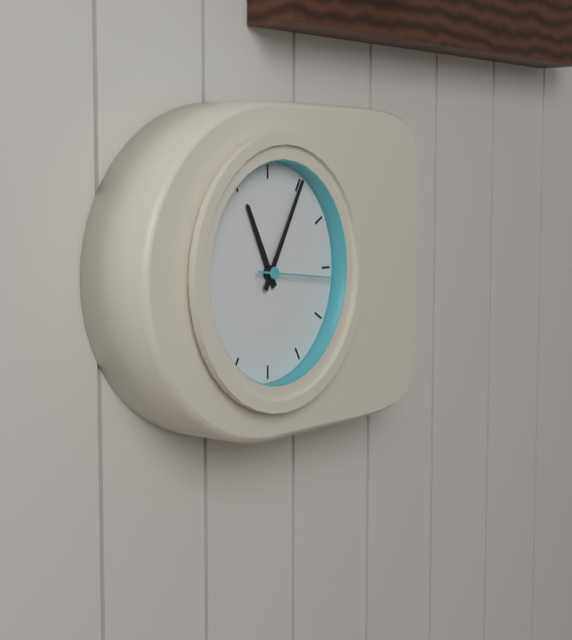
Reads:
{"hour": 11, "minute": 5, "second": 16}
